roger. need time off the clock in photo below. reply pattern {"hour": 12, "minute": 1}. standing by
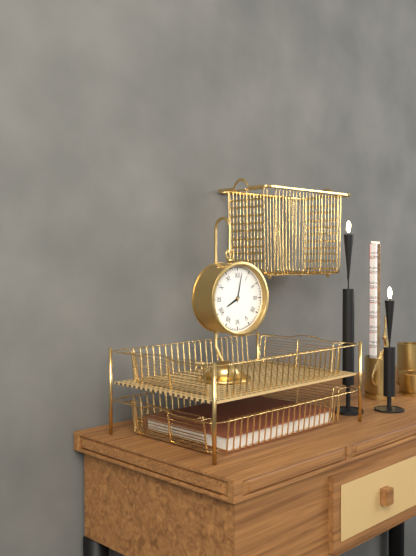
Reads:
{"hour": 8, "minute": 2}
